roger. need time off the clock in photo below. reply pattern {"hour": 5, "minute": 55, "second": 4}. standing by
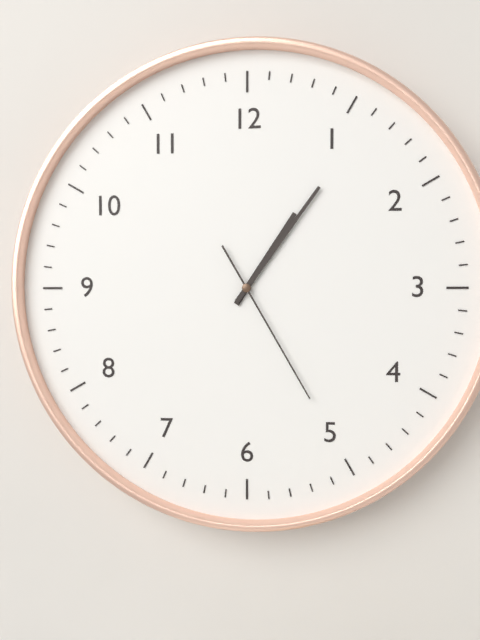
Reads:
{"hour": 1, "minute": 6, "second": 25}
